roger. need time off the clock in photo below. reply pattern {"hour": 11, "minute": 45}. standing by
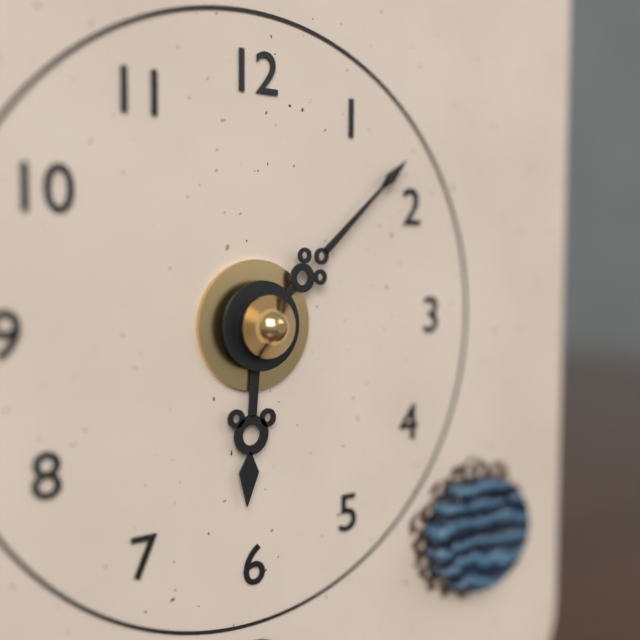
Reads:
{"hour": 6, "minute": 8}
